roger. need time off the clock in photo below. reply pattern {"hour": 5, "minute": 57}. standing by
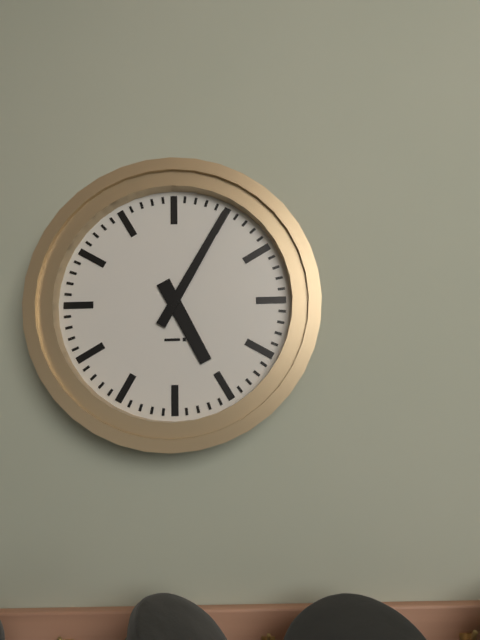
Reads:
{"hour": 5, "minute": 5}
